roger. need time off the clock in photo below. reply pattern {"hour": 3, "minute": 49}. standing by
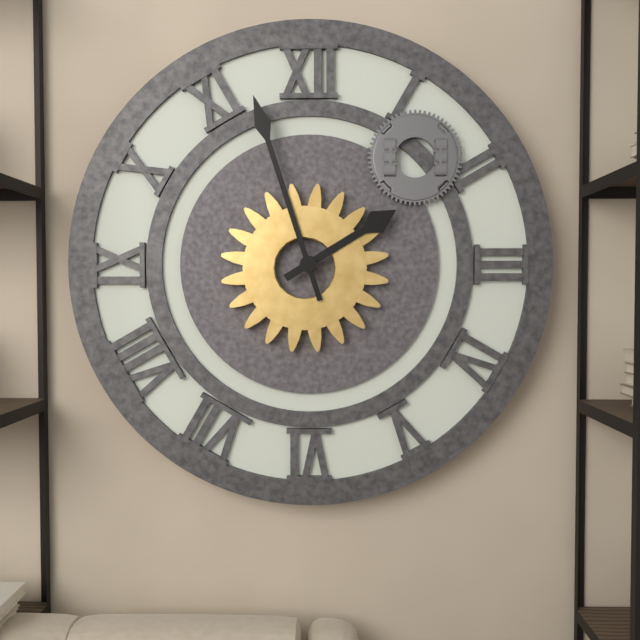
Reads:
{"hour": 1, "minute": 57}
